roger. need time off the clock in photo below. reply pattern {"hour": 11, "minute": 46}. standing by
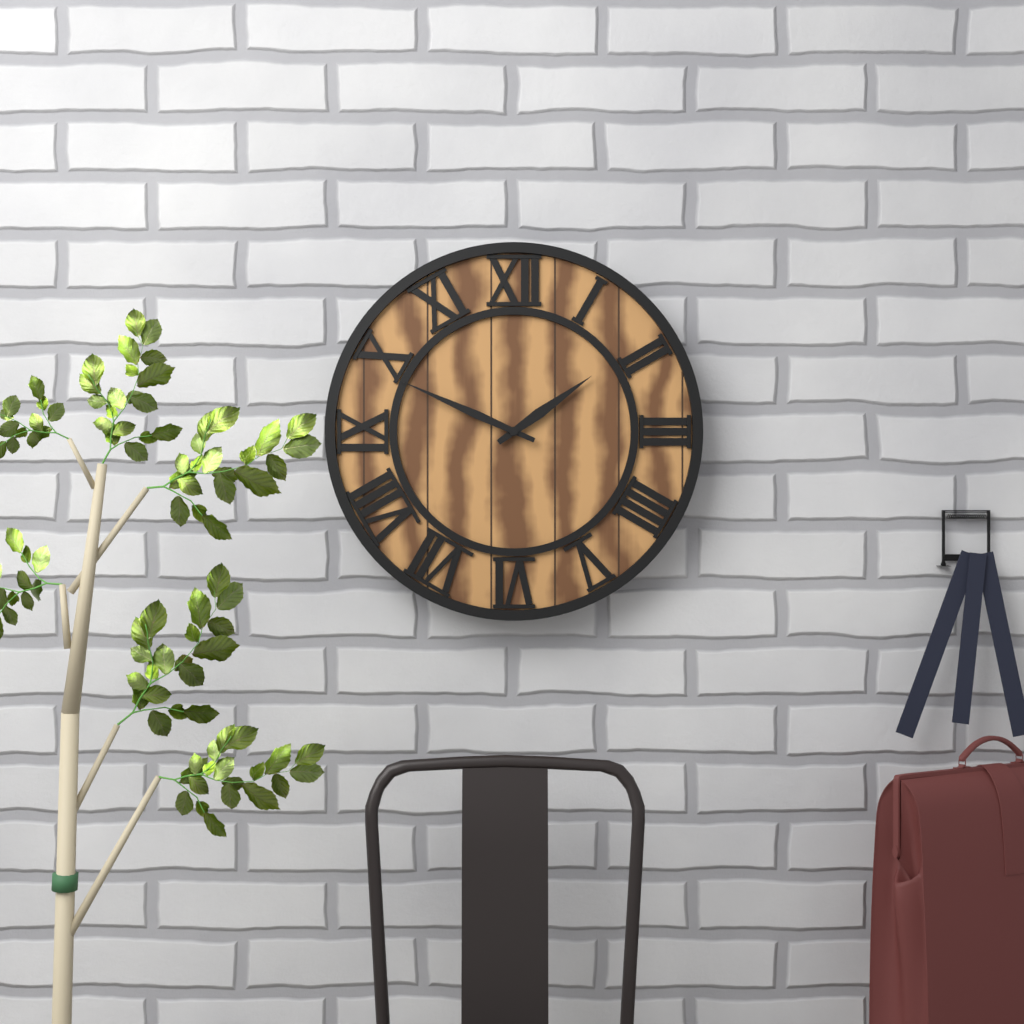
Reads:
{"hour": 1, "minute": 49}
